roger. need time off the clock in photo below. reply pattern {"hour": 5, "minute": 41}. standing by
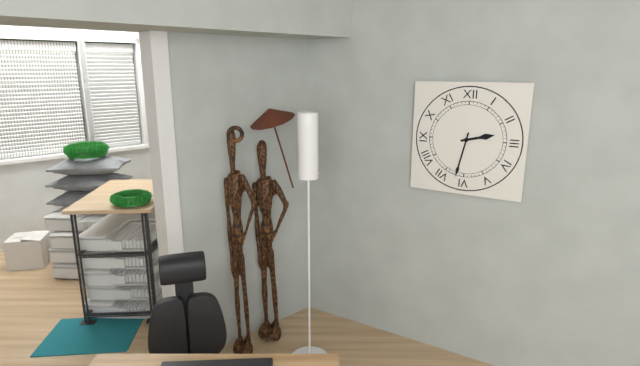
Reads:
{"hour": 2, "minute": 32}
